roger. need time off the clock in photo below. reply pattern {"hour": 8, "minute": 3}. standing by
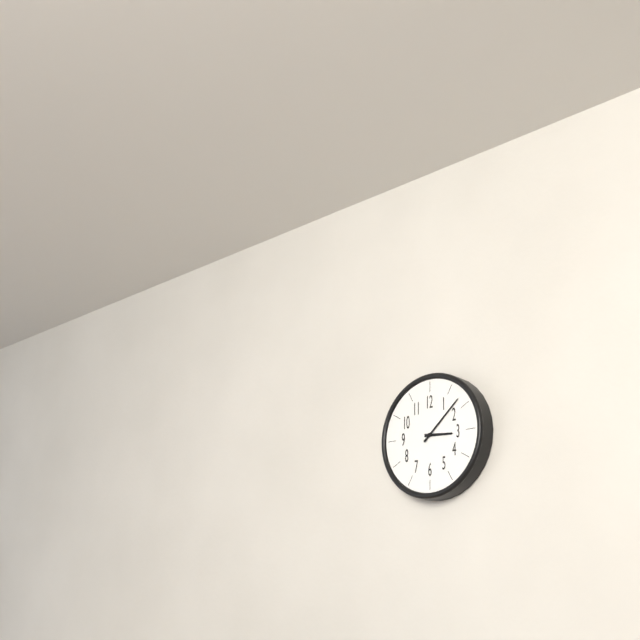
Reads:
{"hour": 3, "minute": 8}
